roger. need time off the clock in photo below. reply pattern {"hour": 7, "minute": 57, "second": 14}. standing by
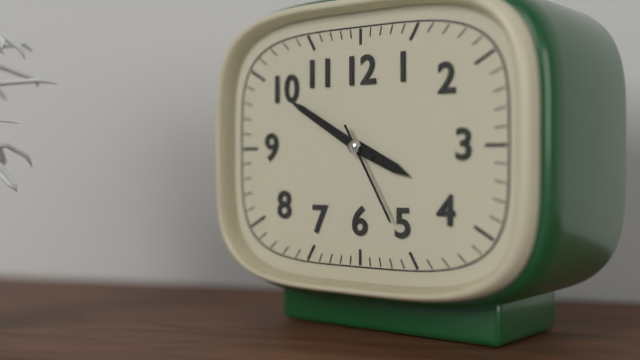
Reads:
{"hour": 3, "minute": 50, "second": 25}
